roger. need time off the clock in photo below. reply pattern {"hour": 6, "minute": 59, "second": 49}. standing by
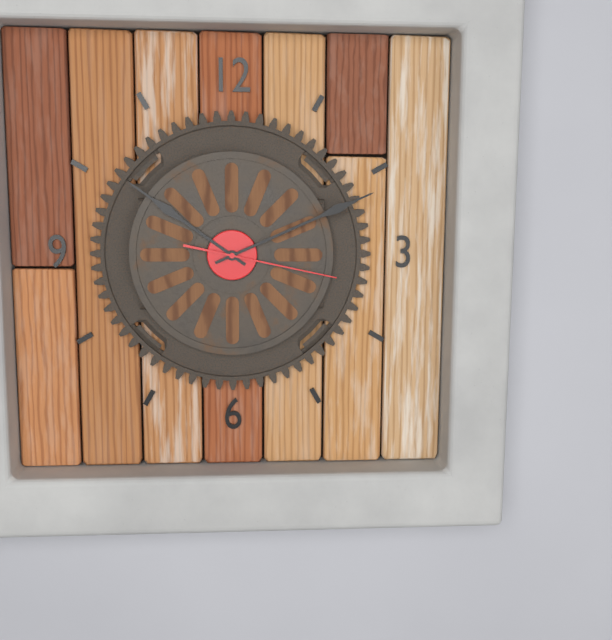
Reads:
{"hour": 10, "minute": 11, "second": 17}
